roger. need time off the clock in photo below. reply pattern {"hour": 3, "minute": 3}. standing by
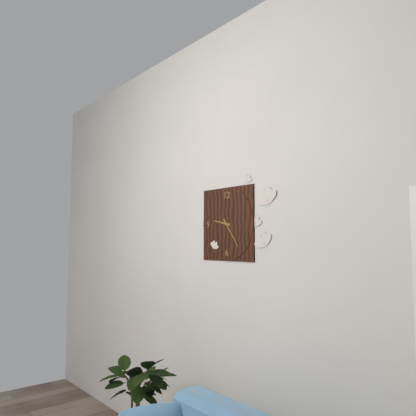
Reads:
{"hour": 9, "minute": 24}
